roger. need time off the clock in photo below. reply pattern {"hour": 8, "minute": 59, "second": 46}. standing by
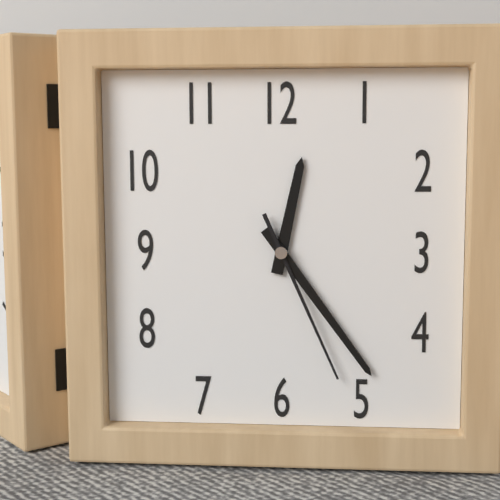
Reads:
{"hour": 12, "minute": 24, "second": 26}
